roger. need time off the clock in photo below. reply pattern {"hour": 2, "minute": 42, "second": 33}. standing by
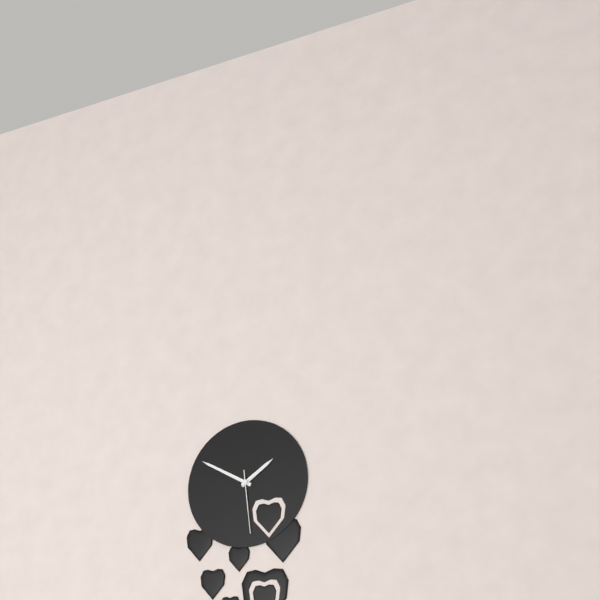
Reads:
{"hour": 1, "minute": 50, "second": 29}
